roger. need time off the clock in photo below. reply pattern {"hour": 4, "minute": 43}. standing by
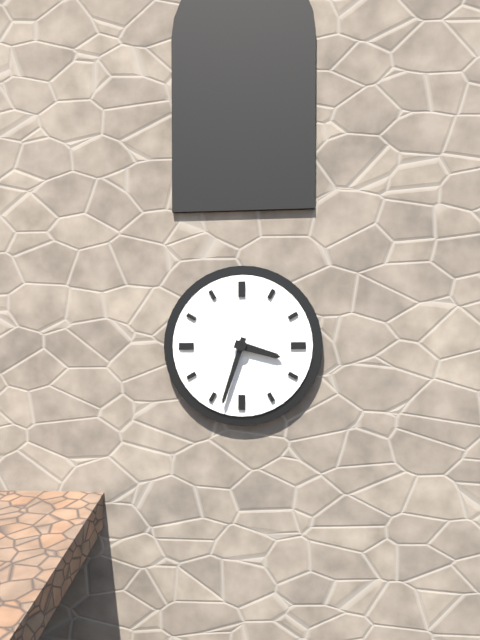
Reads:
{"hour": 3, "minute": 33}
